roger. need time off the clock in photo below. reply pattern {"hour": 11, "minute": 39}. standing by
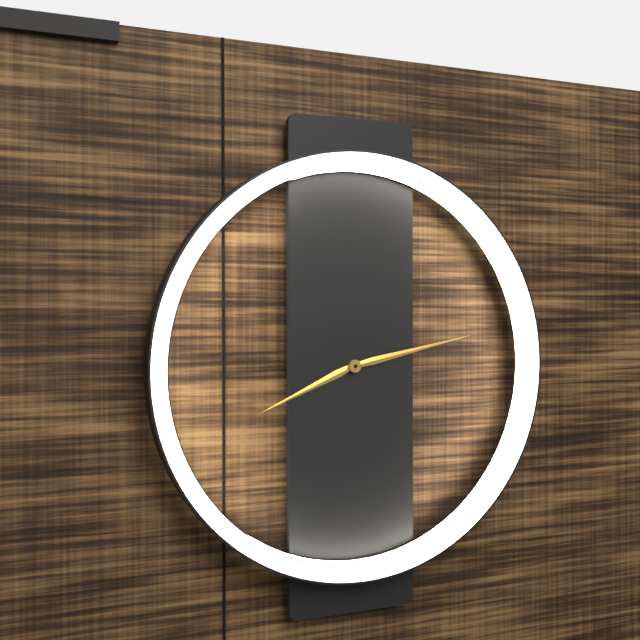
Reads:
{"hour": 8, "minute": 13}
